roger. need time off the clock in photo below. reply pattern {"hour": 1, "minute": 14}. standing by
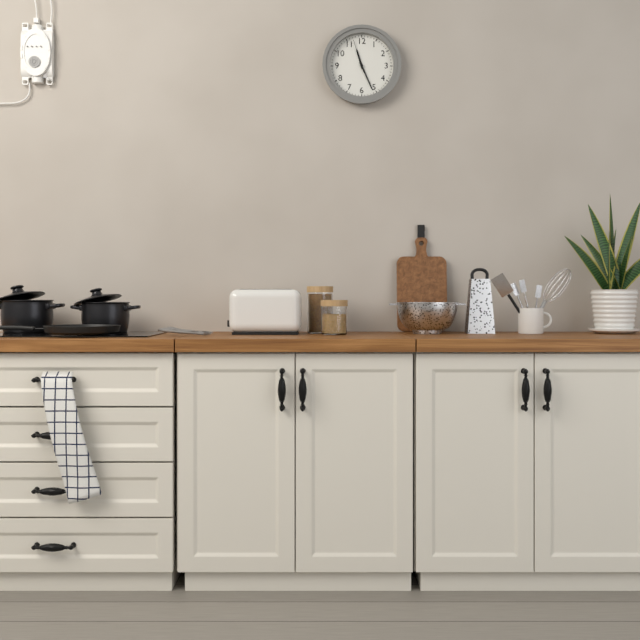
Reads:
{"hour": 11, "minute": 26}
